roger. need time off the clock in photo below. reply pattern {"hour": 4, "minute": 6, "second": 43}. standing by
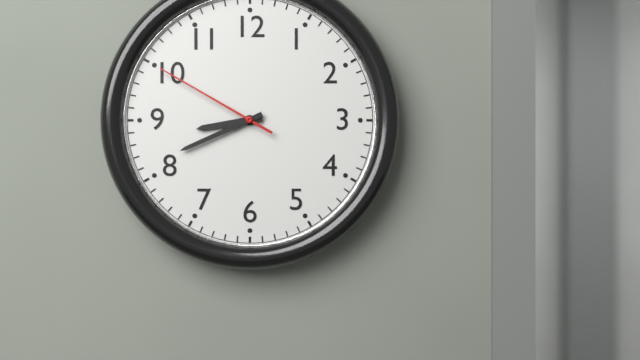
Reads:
{"hour": 8, "minute": 41, "second": 50}
